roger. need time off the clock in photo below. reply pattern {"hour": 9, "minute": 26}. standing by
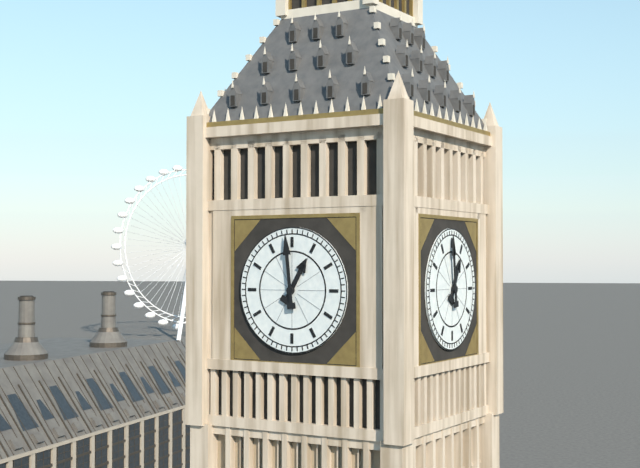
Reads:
{"hour": 12, "minute": 59}
